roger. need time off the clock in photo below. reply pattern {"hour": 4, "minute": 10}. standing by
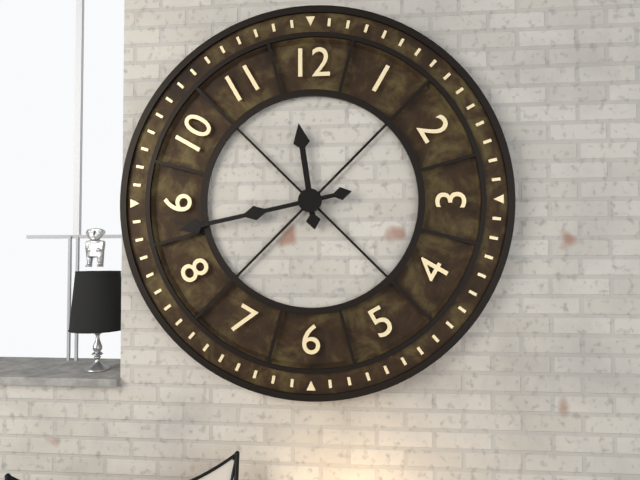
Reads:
{"hour": 11, "minute": 43}
